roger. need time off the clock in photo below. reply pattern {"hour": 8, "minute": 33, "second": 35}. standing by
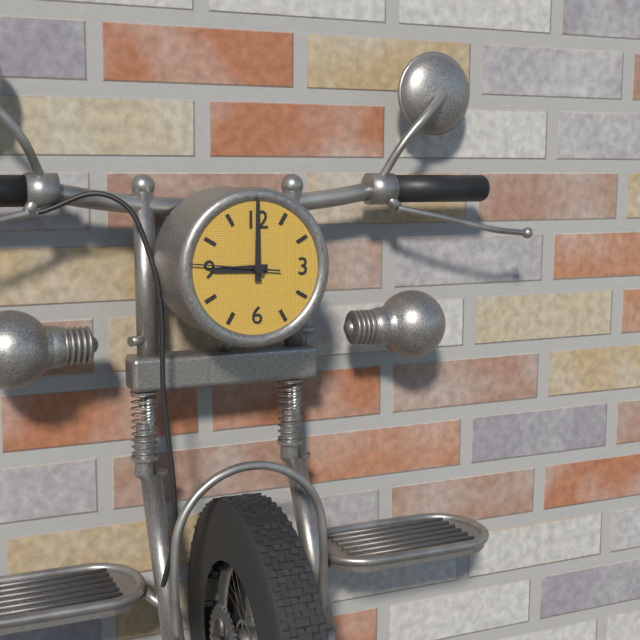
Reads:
{"hour": 9, "minute": 0, "second": 46}
